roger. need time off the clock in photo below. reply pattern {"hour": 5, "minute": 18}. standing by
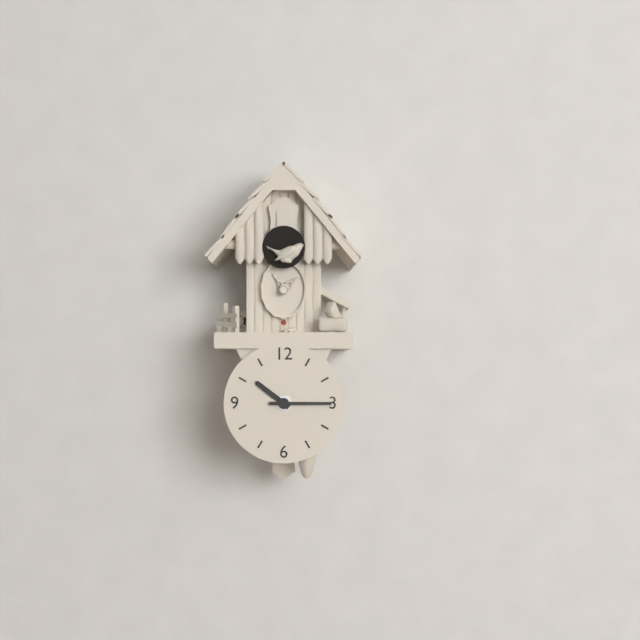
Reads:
{"hour": 10, "minute": 15}
